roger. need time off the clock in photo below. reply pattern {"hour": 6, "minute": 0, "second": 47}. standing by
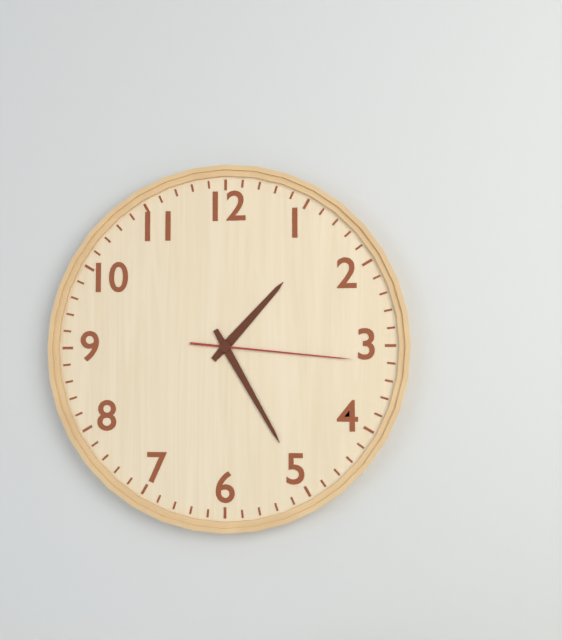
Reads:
{"hour": 1, "minute": 25, "second": 16}
